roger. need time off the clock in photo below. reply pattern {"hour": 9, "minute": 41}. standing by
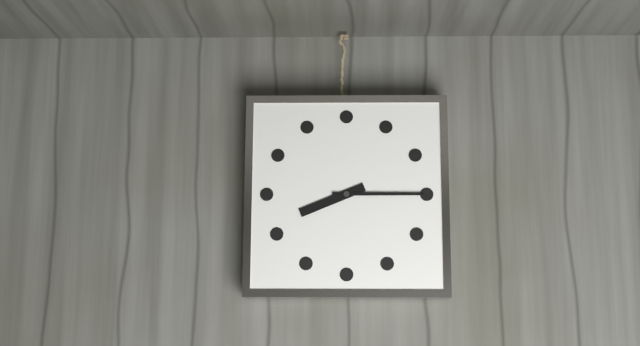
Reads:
{"hour": 8, "minute": 15}
